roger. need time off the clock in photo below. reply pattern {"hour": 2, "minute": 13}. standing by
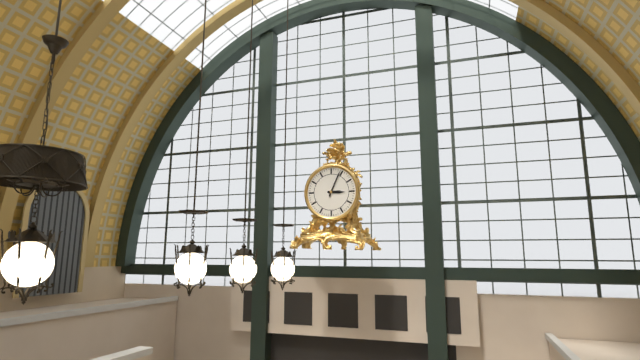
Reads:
{"hour": 3, "minute": 4}
